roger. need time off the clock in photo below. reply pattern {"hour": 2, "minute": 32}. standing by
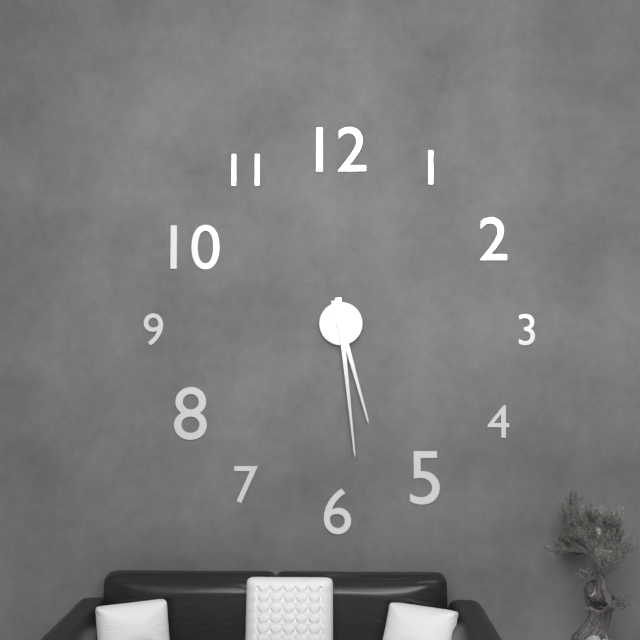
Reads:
{"hour": 5, "minute": 29}
